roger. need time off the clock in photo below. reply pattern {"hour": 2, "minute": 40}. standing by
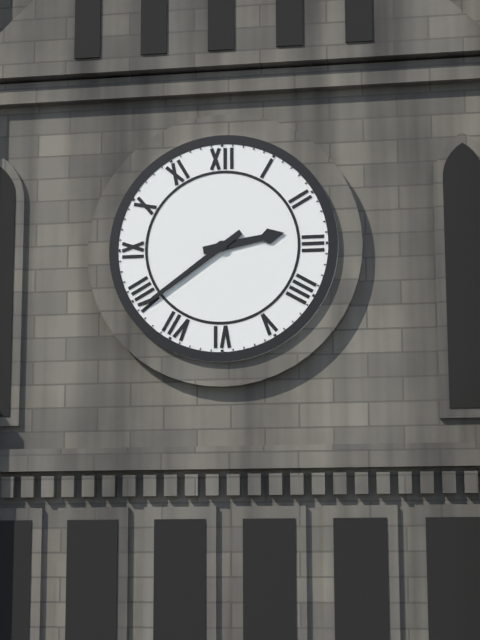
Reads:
{"hour": 2, "minute": 39}
